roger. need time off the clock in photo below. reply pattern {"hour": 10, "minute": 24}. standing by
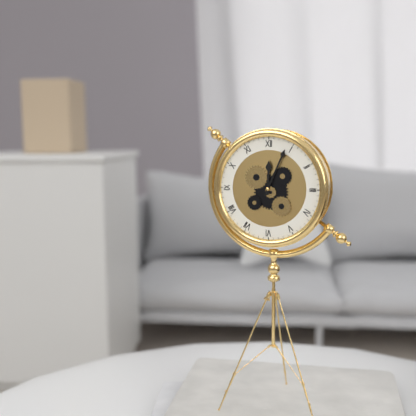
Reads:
{"hour": 12, "minute": 4}
